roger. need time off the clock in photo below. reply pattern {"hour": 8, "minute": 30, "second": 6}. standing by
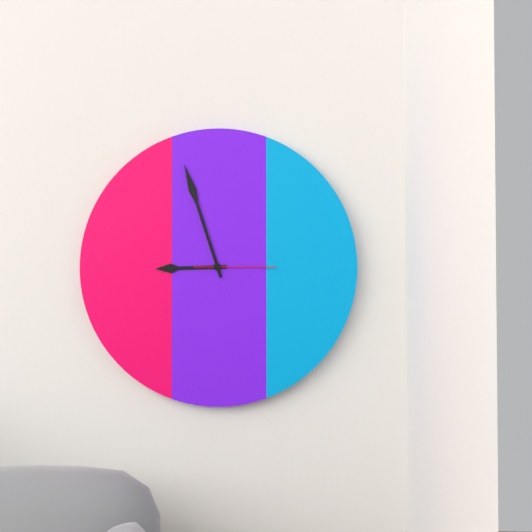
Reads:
{"hour": 8, "minute": 57, "second": 15}
